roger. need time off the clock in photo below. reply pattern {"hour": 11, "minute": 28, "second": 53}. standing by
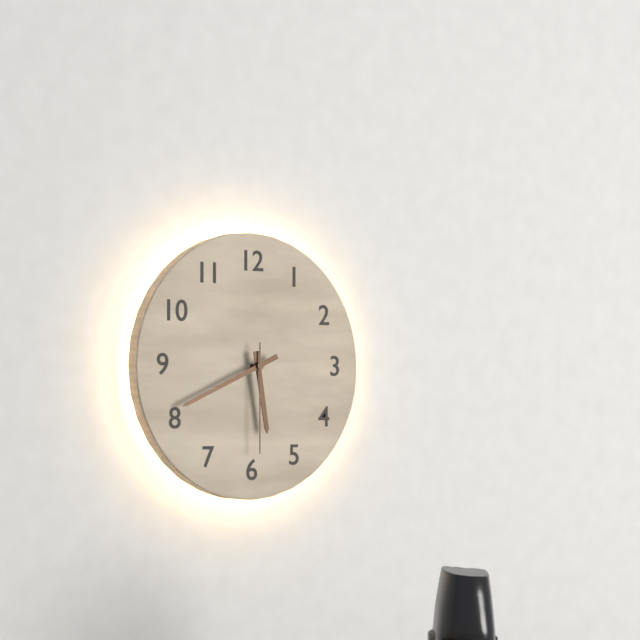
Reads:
{"hour": 5, "minute": 41, "second": 30}
